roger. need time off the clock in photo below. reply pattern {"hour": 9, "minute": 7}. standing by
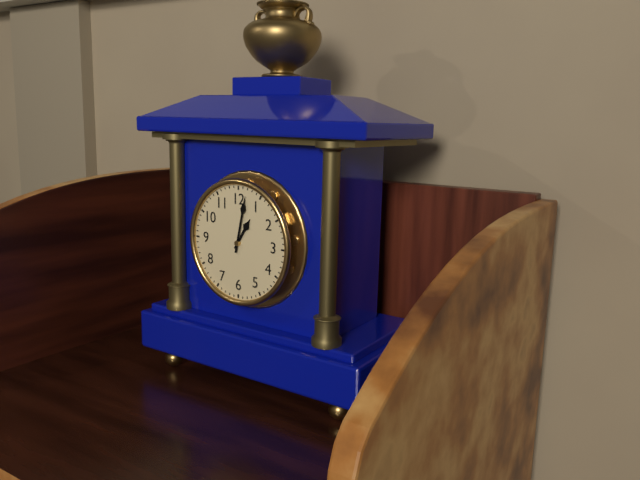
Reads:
{"hour": 1, "minute": 2}
